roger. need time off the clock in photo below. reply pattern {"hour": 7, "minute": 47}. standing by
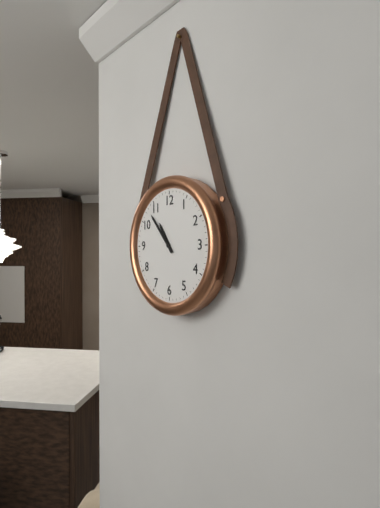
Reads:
{"hour": 10, "minute": 53}
